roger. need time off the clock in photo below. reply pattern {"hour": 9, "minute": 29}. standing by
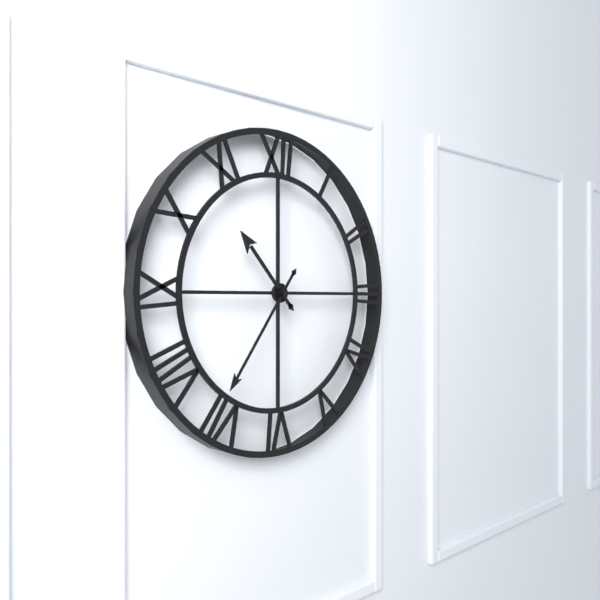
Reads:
{"hour": 10, "minute": 36}
